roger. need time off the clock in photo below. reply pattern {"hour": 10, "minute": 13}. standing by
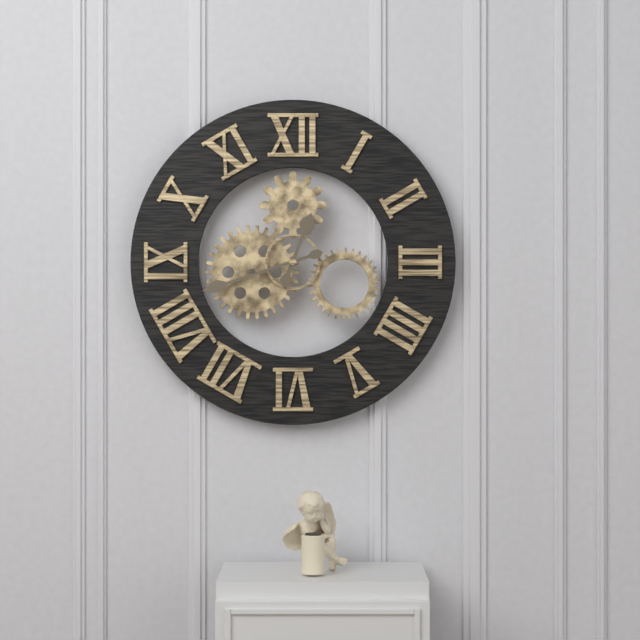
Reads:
{"hour": 12, "minute": 42}
